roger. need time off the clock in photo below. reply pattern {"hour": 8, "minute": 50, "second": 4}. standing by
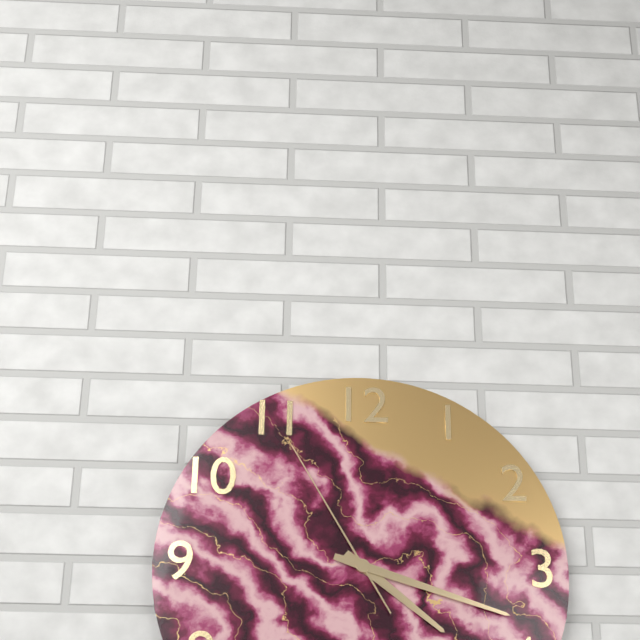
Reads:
{"hour": 4, "minute": 18, "second": 55}
